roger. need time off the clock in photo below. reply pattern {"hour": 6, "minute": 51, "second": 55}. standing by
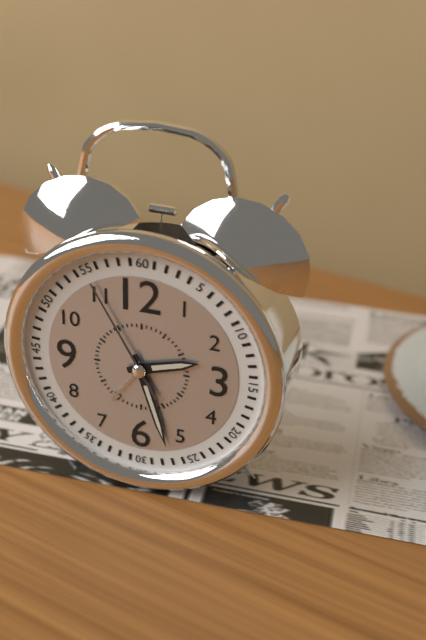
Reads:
{"hour": 2, "minute": 27, "second": 55}
